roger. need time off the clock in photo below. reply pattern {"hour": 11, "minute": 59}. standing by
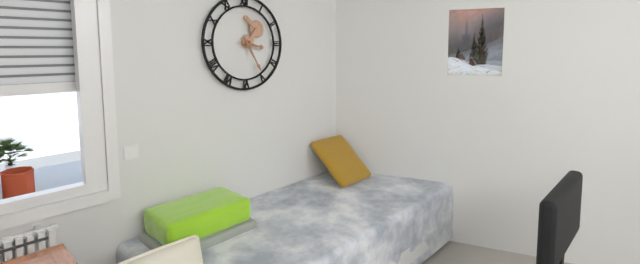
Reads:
{"hour": 3, "minute": 25}
